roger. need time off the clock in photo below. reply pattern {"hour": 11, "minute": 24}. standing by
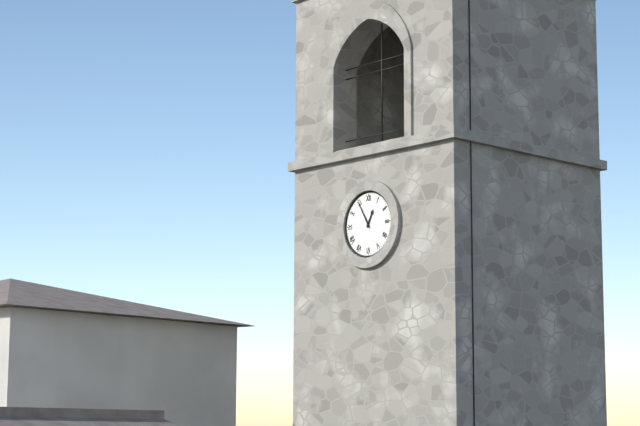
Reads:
{"hour": 12, "minute": 55}
